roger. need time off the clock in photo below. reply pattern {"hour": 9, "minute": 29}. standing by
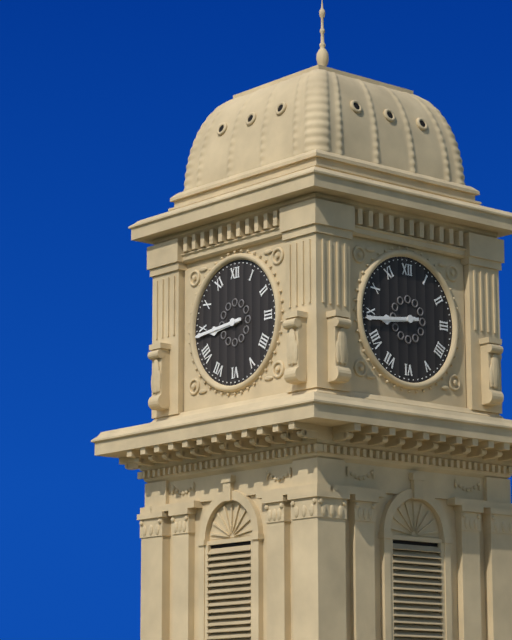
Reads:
{"hour": 8, "minute": 44}
